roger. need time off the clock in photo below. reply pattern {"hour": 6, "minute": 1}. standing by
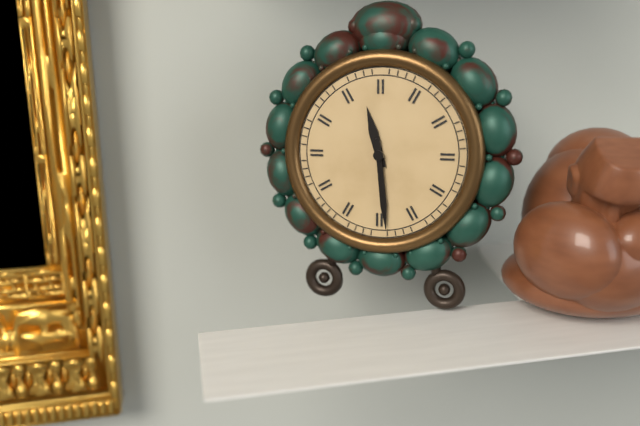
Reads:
{"hour": 11, "minute": 29}
